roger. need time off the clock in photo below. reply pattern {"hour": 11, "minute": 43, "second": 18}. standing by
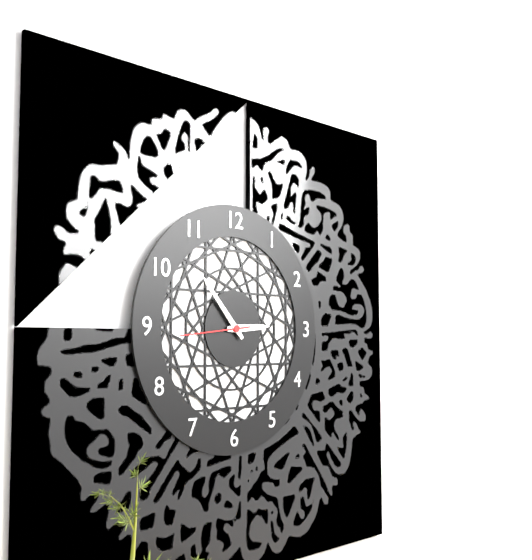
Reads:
{"hour": 2, "minute": 53, "second": 44}
